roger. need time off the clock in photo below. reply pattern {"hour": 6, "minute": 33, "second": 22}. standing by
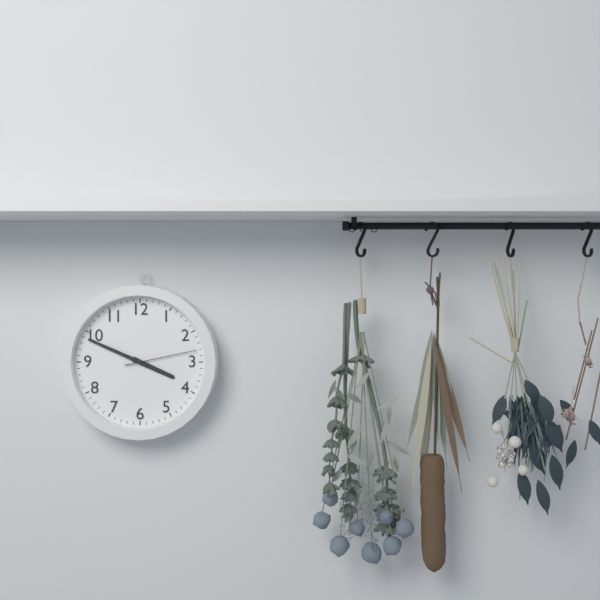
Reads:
{"hour": 3, "minute": 49, "second": 13}
